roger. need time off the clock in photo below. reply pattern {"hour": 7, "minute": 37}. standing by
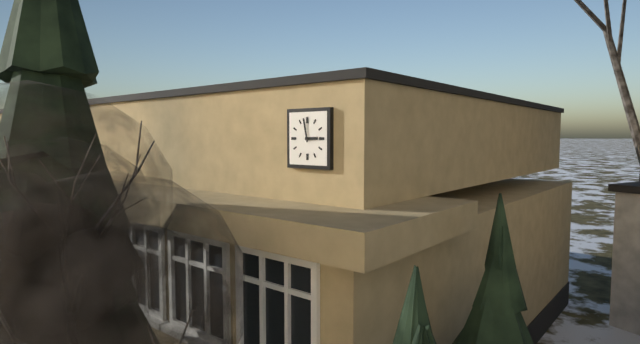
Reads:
{"hour": 2, "minute": 58}
